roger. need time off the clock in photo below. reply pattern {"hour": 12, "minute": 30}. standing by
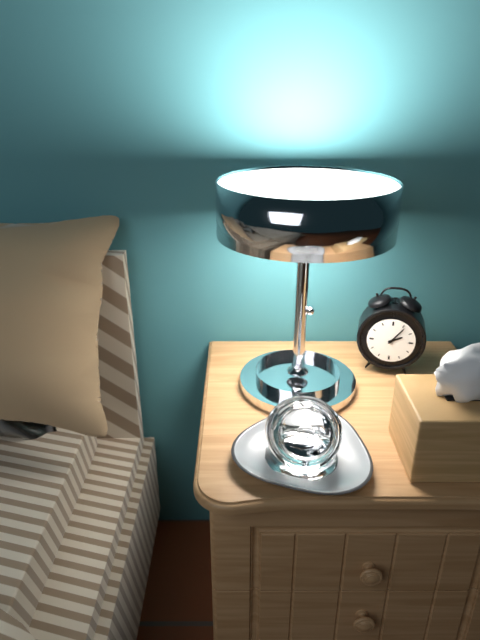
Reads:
{"hour": 2, "minute": 6}
